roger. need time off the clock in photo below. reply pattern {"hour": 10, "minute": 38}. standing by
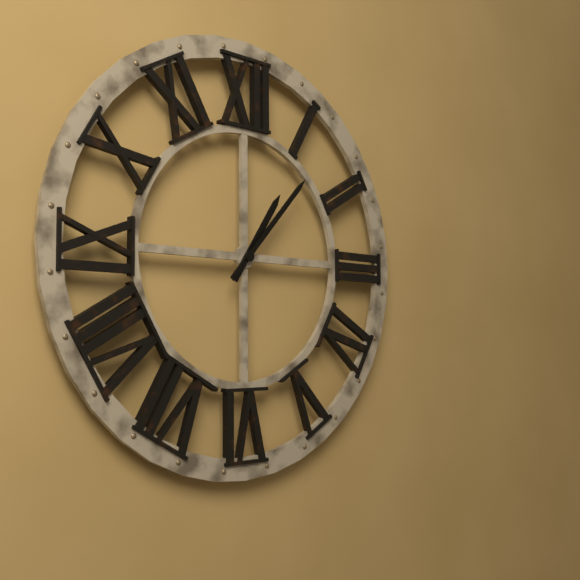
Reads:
{"hour": 1, "minute": 7}
